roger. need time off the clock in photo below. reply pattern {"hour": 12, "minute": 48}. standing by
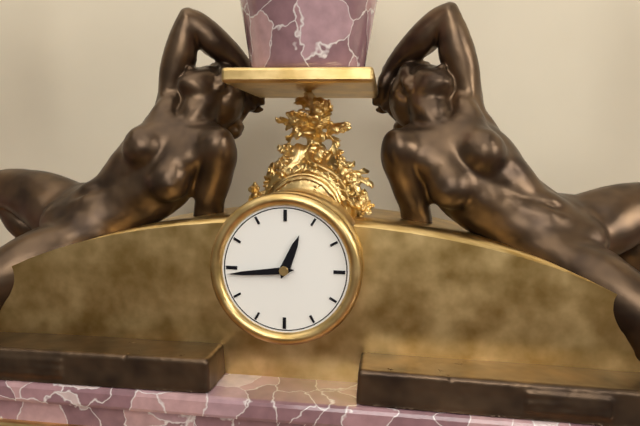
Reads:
{"hour": 12, "minute": 44}
